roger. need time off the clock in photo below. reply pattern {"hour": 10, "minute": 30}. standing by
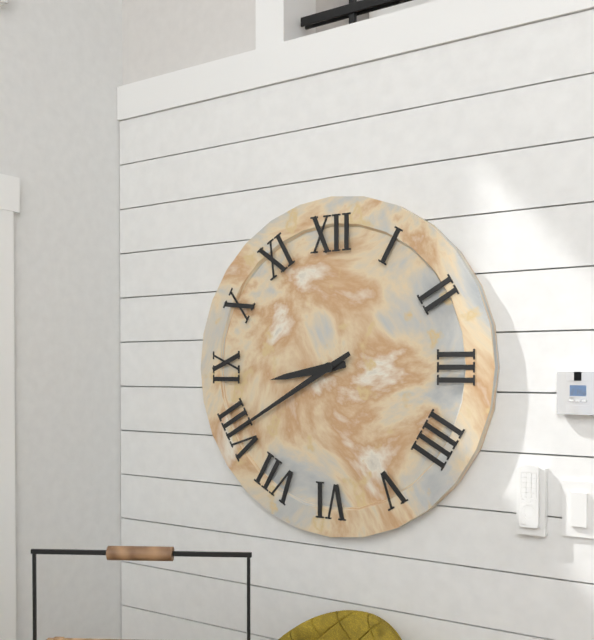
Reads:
{"hour": 8, "minute": 40}
